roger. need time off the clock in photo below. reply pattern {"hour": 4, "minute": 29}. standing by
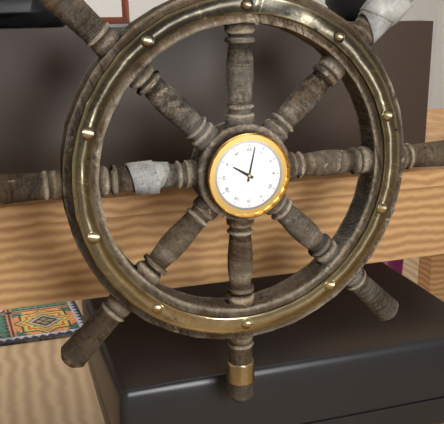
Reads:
{"hour": 10, "minute": 2}
